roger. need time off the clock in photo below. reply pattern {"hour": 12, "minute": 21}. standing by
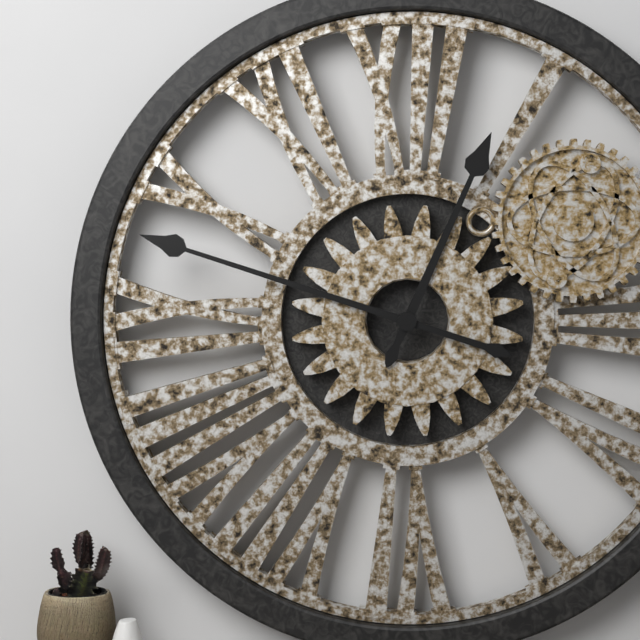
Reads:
{"hour": 12, "minute": 48}
